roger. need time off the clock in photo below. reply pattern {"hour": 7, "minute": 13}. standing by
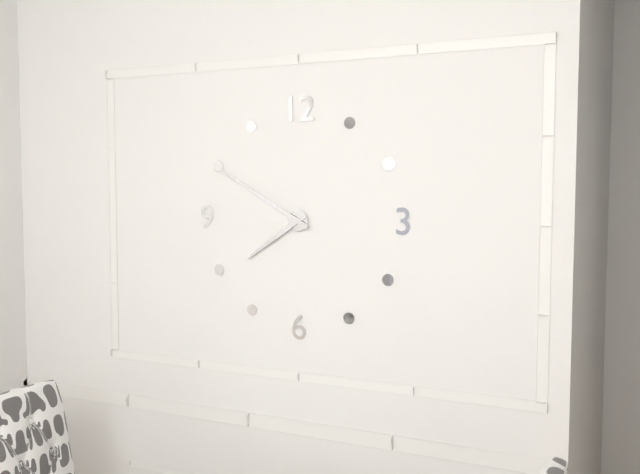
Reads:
{"hour": 7, "minute": 50}
